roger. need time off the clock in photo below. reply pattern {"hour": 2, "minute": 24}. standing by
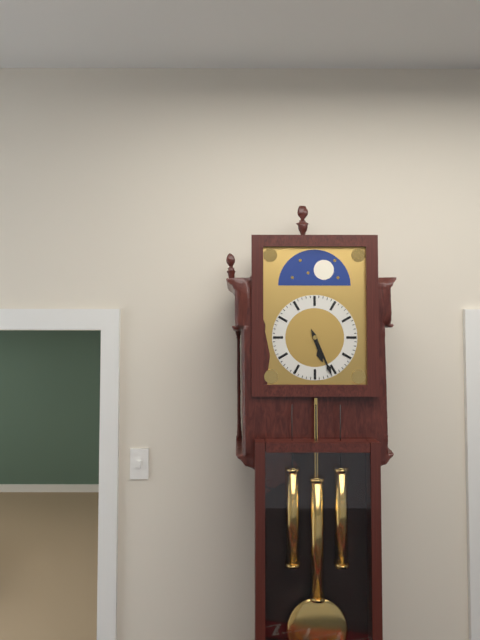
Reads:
{"hour": 5, "minute": 26}
